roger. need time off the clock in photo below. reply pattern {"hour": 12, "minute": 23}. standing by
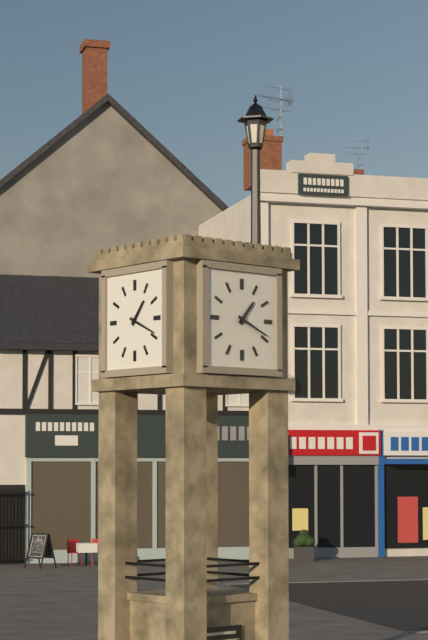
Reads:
{"hour": 1, "minute": 19}
